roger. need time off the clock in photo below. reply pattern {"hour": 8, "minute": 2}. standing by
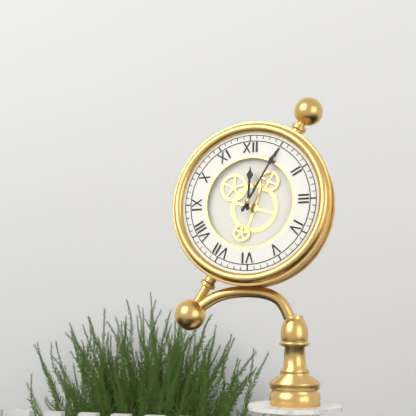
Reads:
{"hour": 12, "minute": 5}
